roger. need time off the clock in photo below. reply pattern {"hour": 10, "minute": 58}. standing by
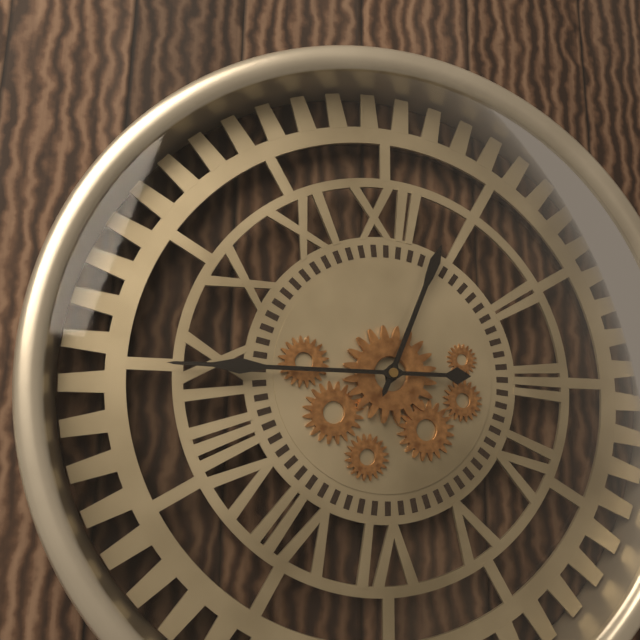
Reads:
{"hour": 12, "minute": 45}
